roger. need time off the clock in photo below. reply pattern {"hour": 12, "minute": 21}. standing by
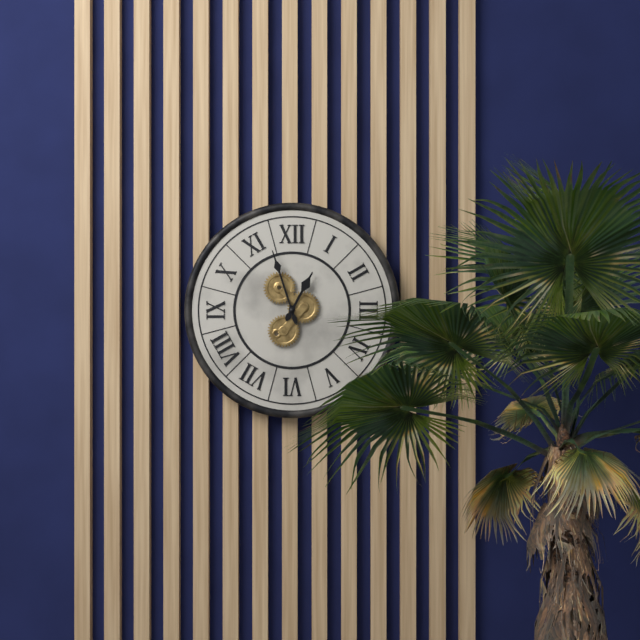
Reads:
{"hour": 12, "minute": 57}
